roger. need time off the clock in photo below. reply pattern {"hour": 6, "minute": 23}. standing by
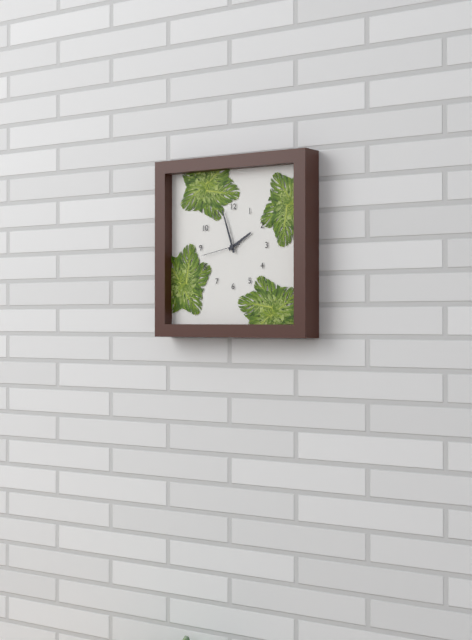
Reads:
{"hour": 1, "minute": 57}
